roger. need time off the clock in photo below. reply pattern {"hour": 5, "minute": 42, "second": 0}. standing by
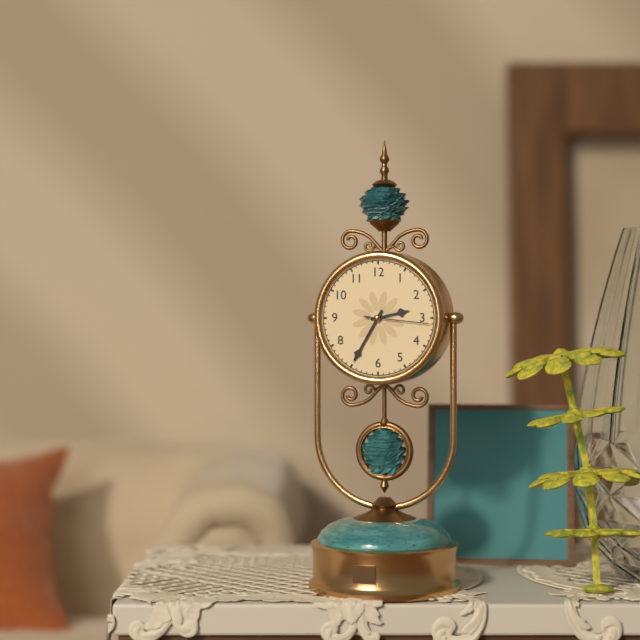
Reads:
{"hour": 2, "minute": 35, "second": 16}
